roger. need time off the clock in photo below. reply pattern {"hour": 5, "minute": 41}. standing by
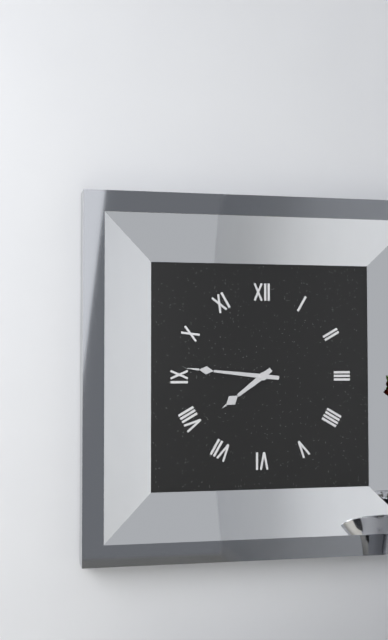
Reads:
{"hour": 7, "minute": 46}
